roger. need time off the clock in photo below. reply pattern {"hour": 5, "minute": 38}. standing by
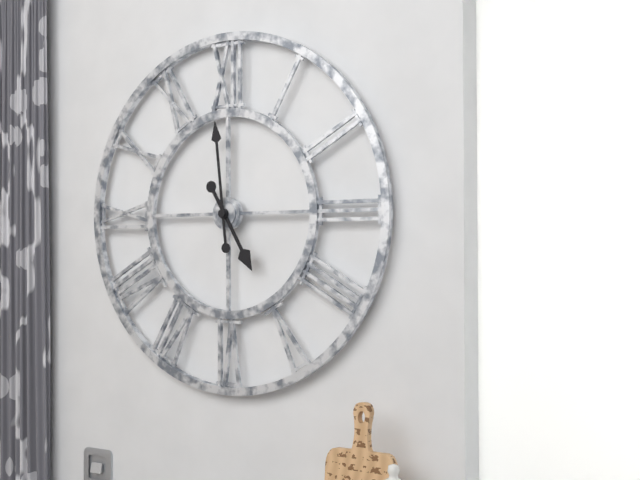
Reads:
{"hour": 4, "minute": 59}
